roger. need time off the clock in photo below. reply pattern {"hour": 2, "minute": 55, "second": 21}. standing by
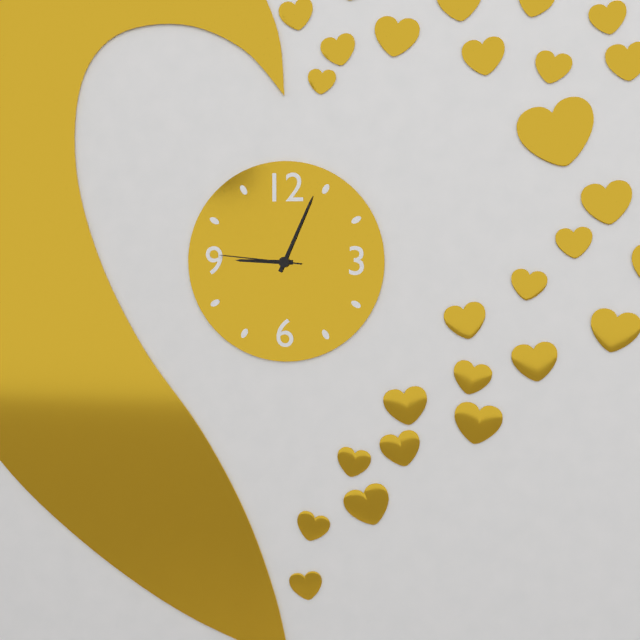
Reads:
{"hour": 9, "minute": 4, "second": 46}
